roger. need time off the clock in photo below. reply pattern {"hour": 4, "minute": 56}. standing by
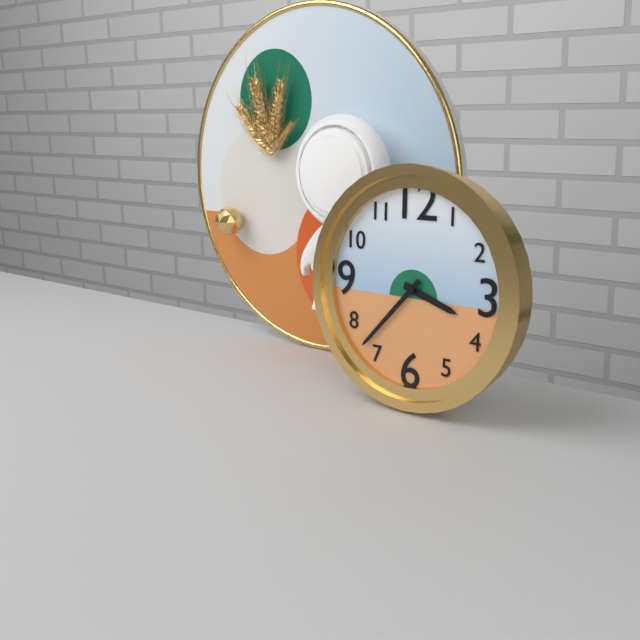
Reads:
{"hour": 3, "minute": 37}
